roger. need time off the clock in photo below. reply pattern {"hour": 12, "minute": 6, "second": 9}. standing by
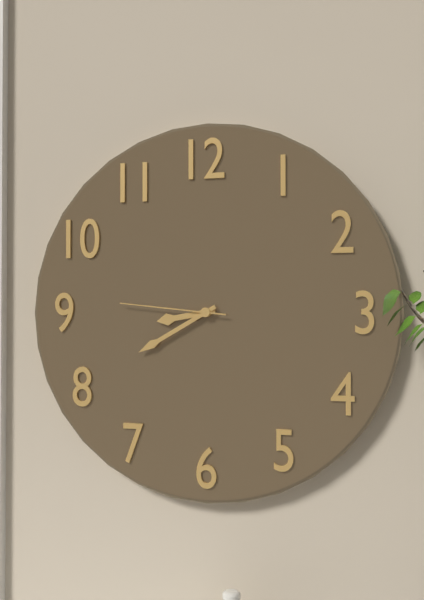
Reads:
{"hour": 8, "minute": 40, "second": 46}
